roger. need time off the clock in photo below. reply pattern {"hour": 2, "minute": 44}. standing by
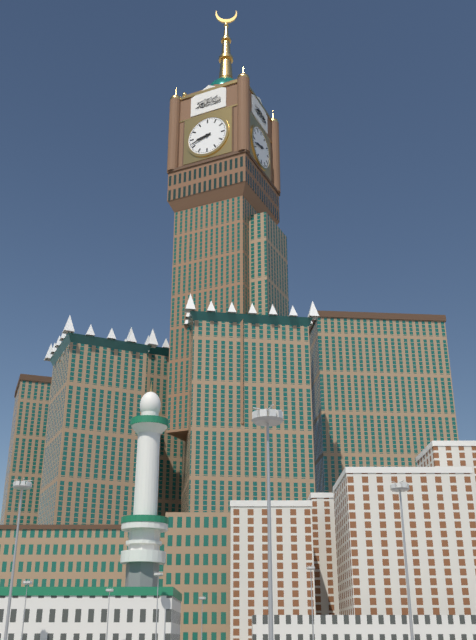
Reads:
{"hour": 8, "minute": 42}
